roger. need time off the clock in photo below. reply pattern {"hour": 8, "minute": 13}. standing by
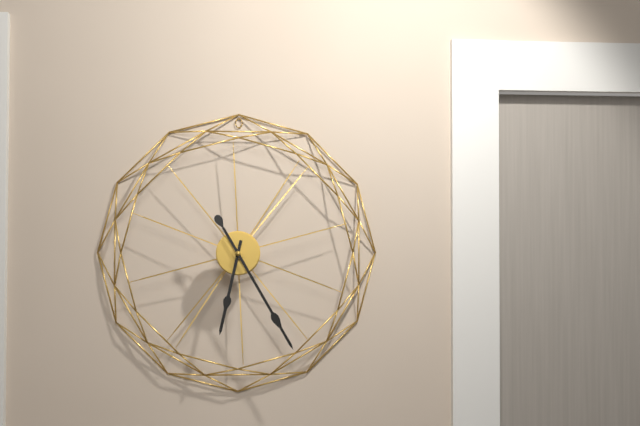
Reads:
{"hour": 6, "minute": 25}
